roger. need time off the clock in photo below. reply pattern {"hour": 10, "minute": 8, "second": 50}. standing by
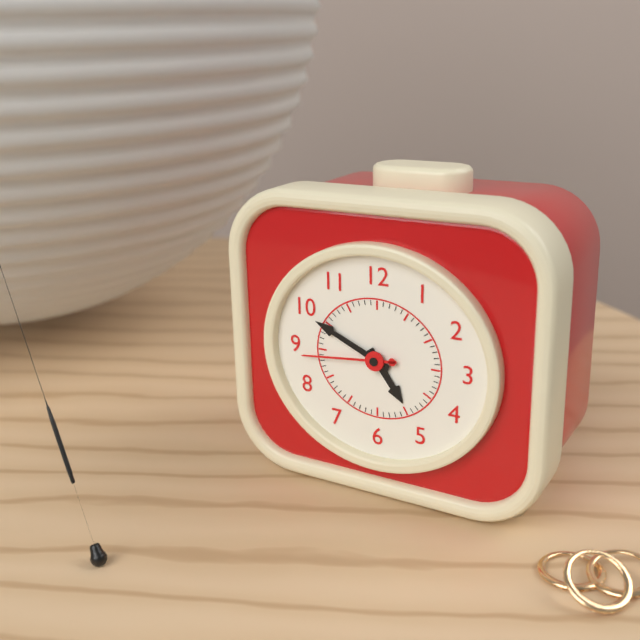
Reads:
{"hour": 4, "minute": 49, "second": 44}
